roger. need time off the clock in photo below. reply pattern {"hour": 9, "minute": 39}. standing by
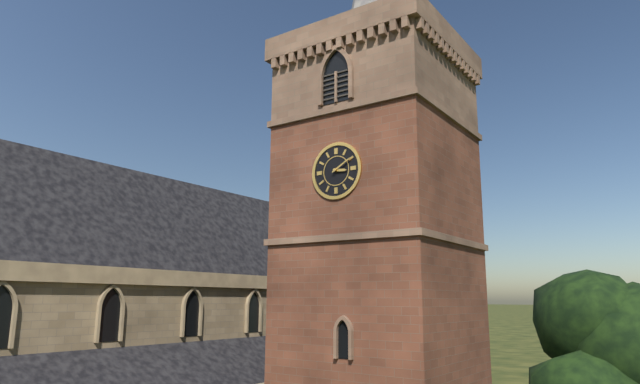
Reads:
{"hour": 3, "minute": 10}
